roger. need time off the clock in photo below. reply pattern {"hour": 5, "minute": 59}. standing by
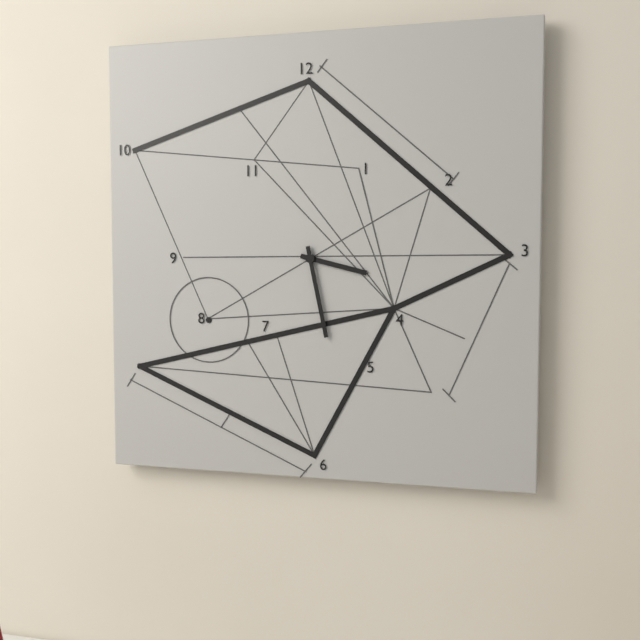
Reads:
{"hour": 3, "minute": 28}
